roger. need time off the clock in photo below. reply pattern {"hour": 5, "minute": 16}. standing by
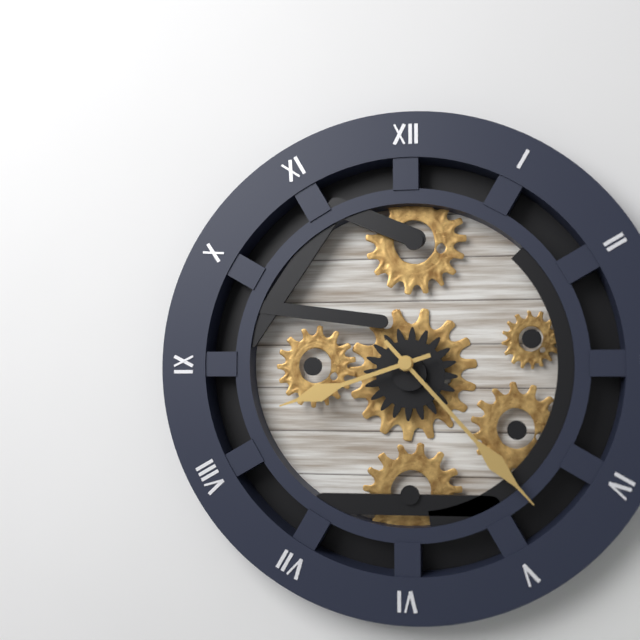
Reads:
{"hour": 8, "minute": 23}
